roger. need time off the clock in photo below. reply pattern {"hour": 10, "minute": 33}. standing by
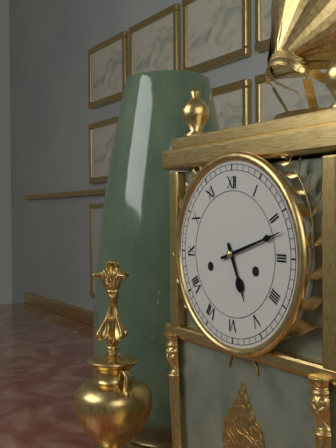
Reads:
{"hour": 5, "minute": 12}
